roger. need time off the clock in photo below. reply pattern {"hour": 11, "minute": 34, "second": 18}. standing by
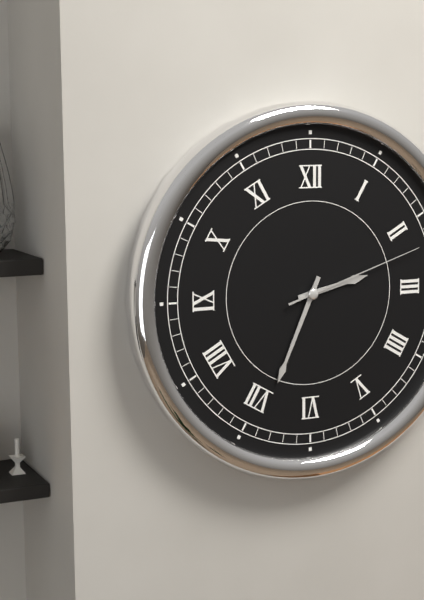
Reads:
{"hour": 2, "minute": 34, "second": 12}
